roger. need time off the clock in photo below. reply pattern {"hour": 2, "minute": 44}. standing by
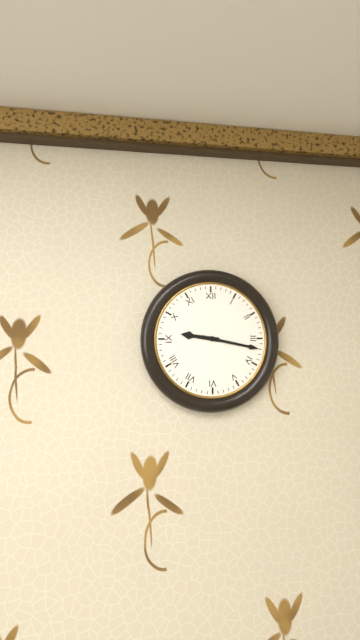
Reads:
{"hour": 9, "minute": 17}
